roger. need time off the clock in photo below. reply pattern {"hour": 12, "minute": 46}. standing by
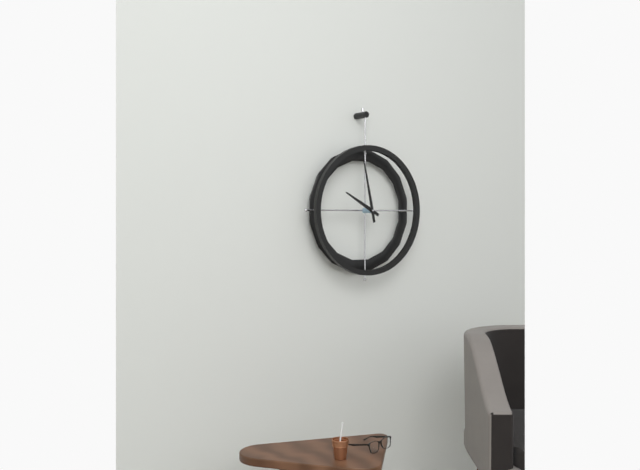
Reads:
{"hour": 9, "minute": 58}
